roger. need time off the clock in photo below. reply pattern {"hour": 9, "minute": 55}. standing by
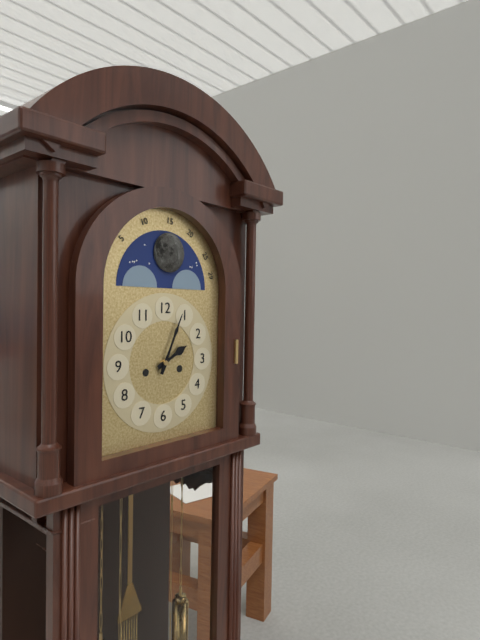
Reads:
{"hour": 2, "minute": 4}
